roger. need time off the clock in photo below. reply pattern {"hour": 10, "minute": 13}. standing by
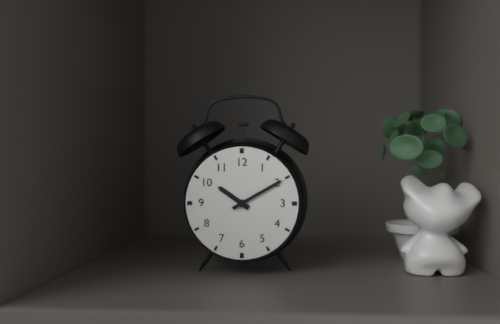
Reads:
{"hour": 10, "minute": 10}
